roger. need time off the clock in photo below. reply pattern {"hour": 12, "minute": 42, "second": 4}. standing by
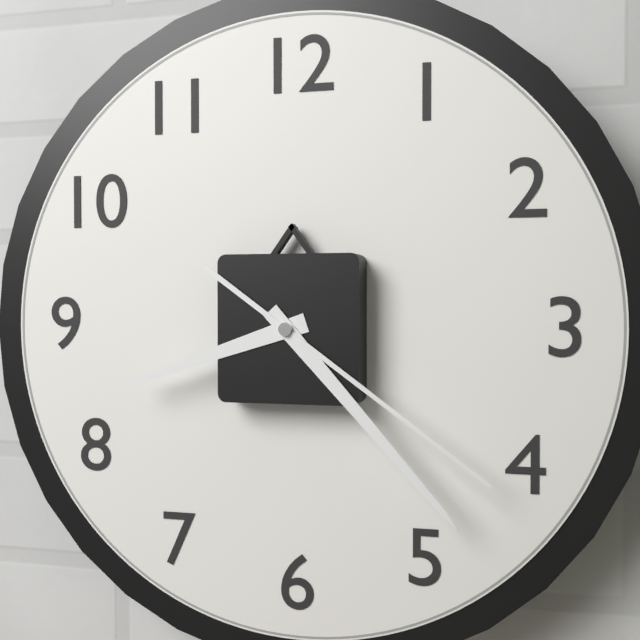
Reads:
{"hour": 8, "minute": 23, "second": 21}
